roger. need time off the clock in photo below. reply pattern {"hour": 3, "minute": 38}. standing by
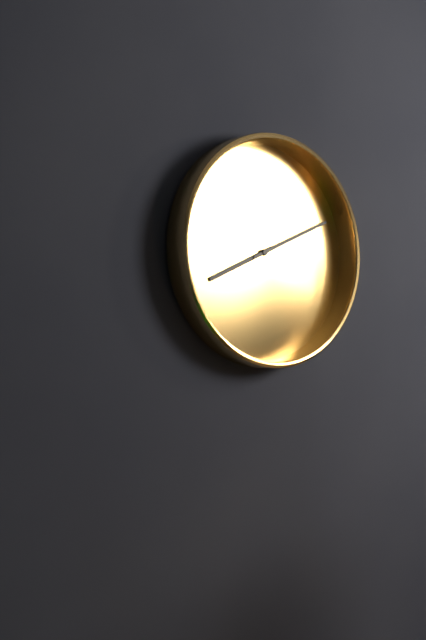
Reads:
{"hour": 8, "minute": 11}
